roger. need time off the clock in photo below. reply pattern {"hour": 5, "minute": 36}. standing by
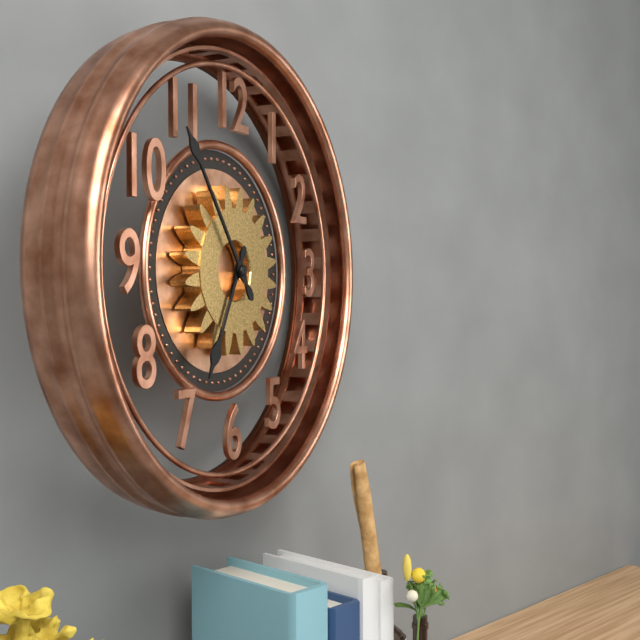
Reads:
{"hour": 6, "minute": 54}
